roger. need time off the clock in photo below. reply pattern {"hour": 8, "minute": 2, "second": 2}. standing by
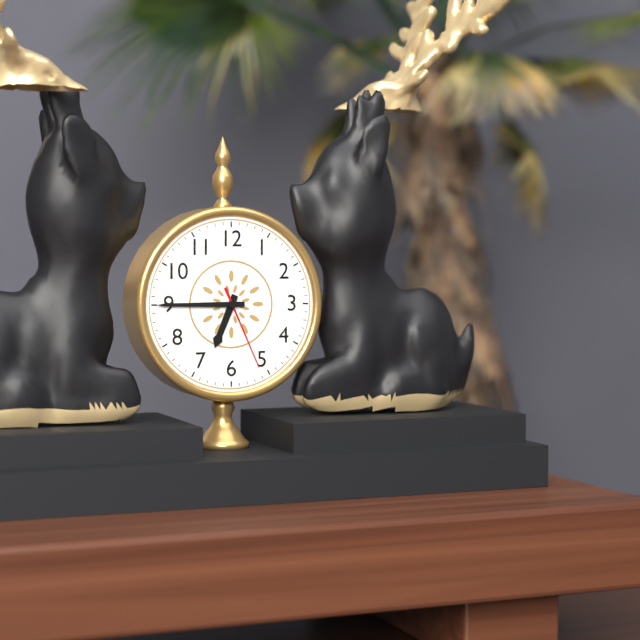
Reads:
{"hour": 6, "minute": 45, "second": 26}
